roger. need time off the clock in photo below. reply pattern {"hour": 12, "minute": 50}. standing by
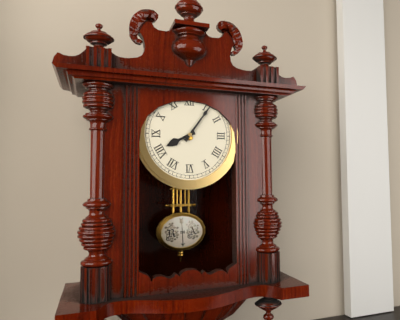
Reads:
{"hour": 8, "minute": 6}
